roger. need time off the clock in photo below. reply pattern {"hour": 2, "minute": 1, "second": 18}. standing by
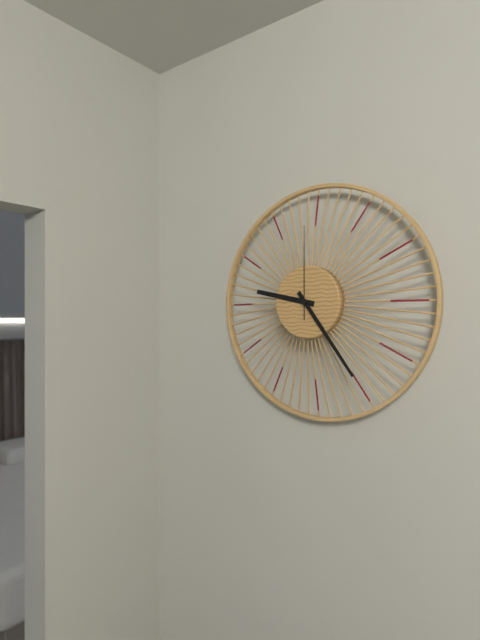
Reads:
{"hour": 9, "minute": 24, "second": 0}
